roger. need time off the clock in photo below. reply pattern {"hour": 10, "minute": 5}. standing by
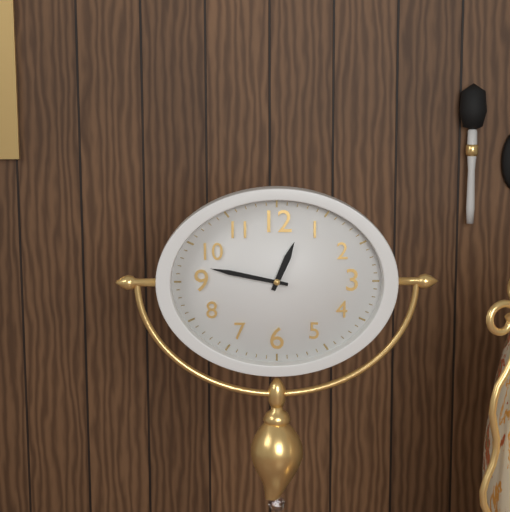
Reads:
{"hour": 12, "minute": 47}
